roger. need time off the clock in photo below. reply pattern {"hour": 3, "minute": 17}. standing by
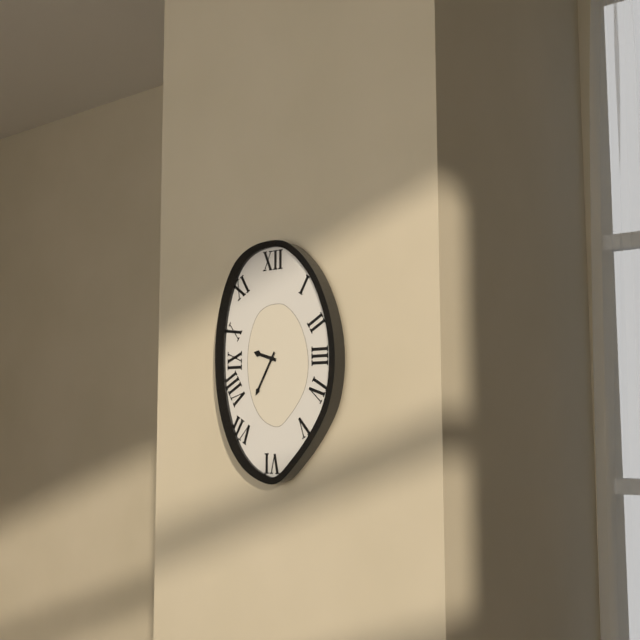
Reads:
{"hour": 9, "minute": 35}
